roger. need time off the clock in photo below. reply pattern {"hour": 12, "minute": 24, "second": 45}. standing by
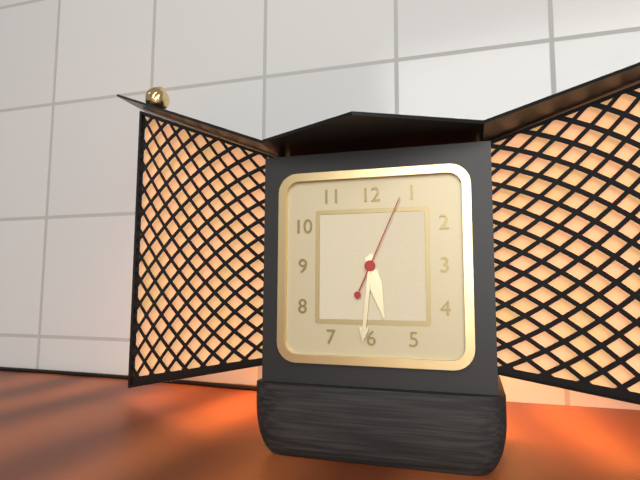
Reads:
{"hour": 5, "minute": 31, "second": 4}
